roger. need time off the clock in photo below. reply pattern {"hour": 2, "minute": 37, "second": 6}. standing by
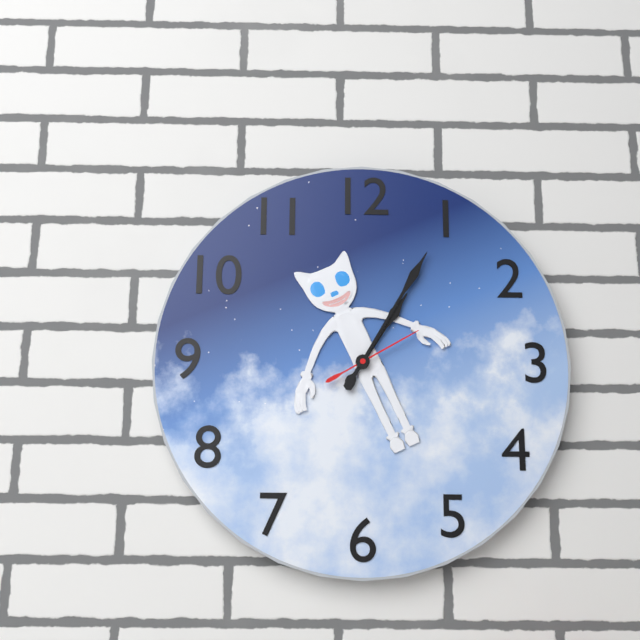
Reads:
{"hour": 1, "minute": 5, "second": 10}
